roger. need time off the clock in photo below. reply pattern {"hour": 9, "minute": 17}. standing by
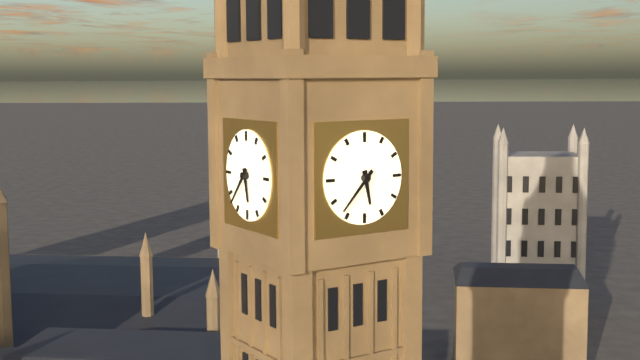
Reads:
{"hour": 5, "minute": 37}
